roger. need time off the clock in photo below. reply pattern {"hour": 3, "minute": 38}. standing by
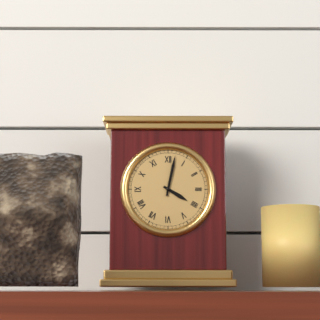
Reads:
{"hour": 4, "minute": 2}
